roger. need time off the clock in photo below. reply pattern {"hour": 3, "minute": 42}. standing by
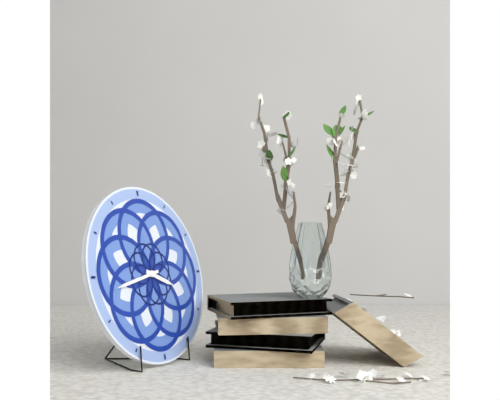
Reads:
{"hour": 3, "minute": 43}
